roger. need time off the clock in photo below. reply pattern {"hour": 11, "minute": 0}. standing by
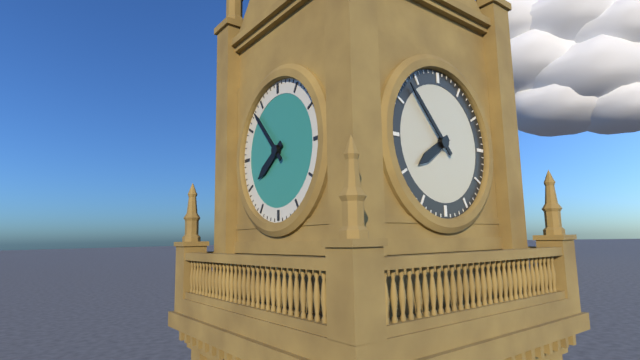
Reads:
{"hour": 7, "minute": 53}
